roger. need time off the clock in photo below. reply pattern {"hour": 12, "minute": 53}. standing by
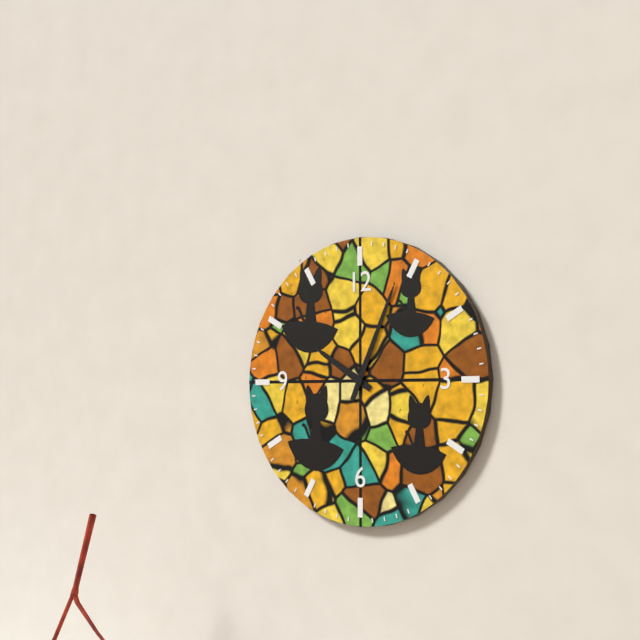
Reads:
{"hour": 10, "minute": 4}
